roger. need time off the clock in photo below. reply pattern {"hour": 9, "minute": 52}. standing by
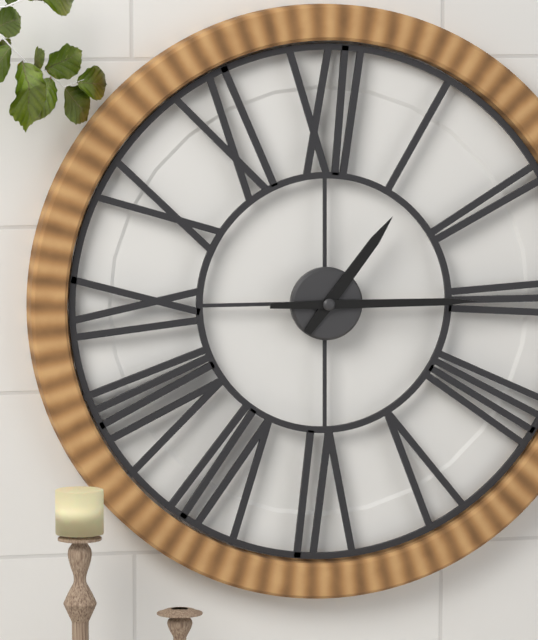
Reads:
{"hour": 1, "minute": 15}
